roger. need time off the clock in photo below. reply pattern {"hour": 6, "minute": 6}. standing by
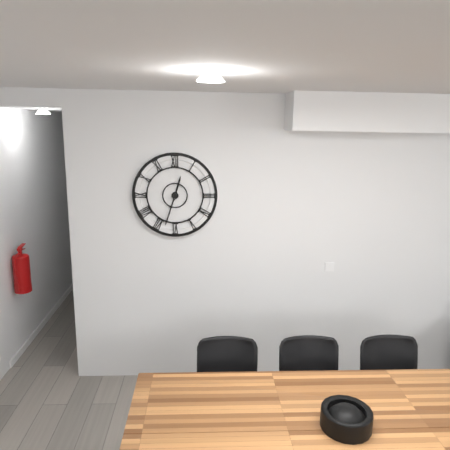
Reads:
{"hour": 12, "minute": 33}
